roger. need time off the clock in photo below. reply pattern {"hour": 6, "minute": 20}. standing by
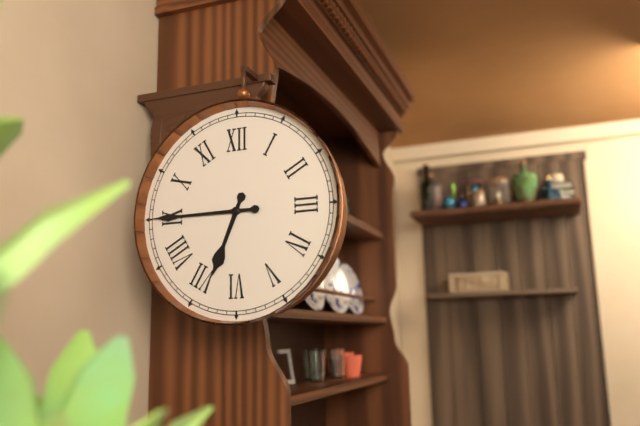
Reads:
{"hour": 6, "minute": 45}
